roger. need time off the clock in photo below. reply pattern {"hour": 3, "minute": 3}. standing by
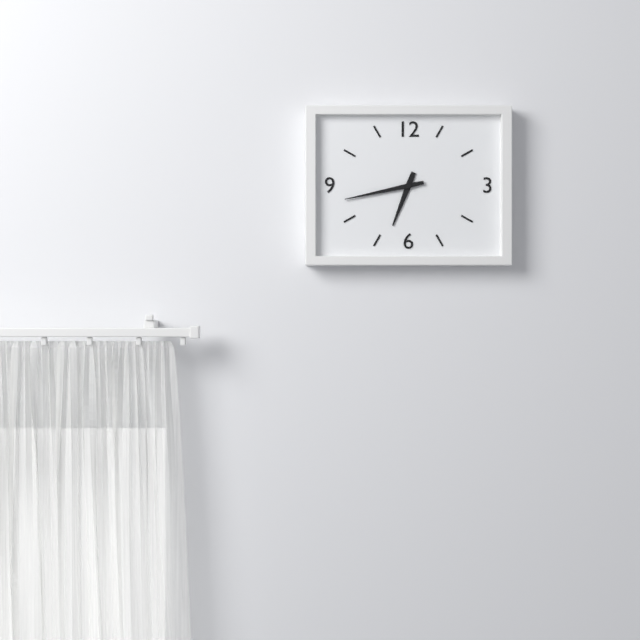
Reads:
{"hour": 6, "minute": 43}
